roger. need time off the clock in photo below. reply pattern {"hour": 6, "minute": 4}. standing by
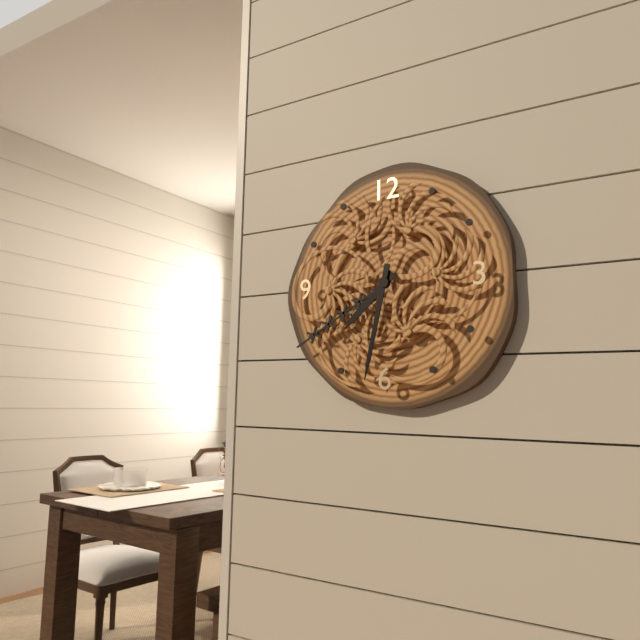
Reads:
{"hour": 7, "minute": 32}
